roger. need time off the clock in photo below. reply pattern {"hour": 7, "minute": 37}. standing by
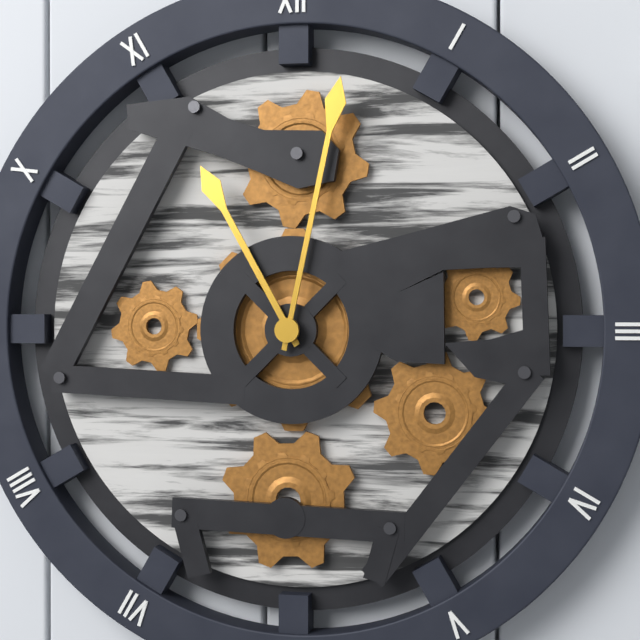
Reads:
{"hour": 11, "minute": 2}
